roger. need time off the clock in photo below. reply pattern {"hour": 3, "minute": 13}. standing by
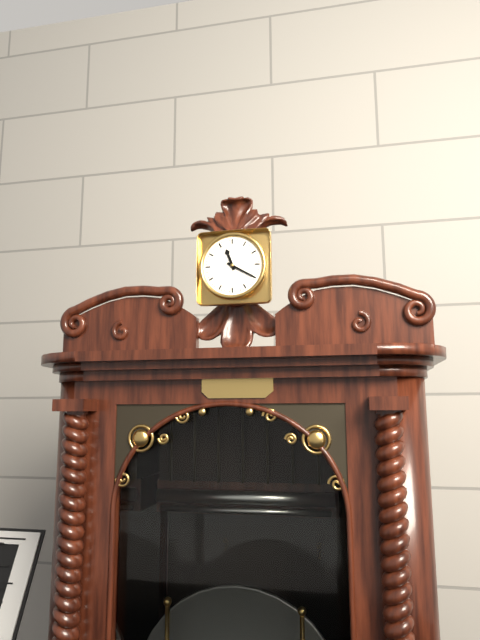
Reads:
{"hour": 11, "minute": 20}
